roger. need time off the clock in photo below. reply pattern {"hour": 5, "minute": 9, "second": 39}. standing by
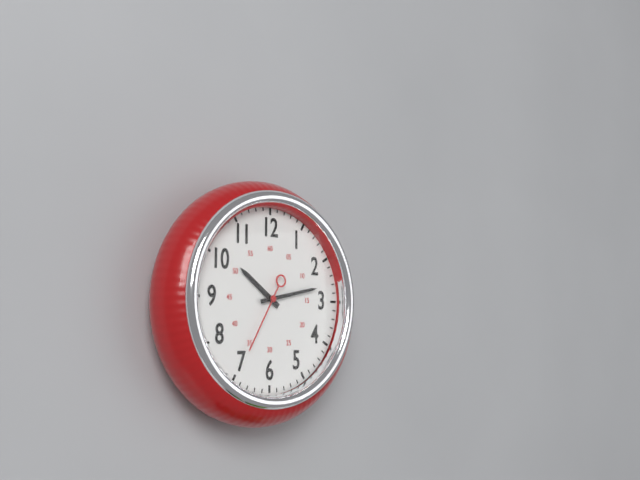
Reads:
{"hour": 10, "minute": 13, "second": 35}
